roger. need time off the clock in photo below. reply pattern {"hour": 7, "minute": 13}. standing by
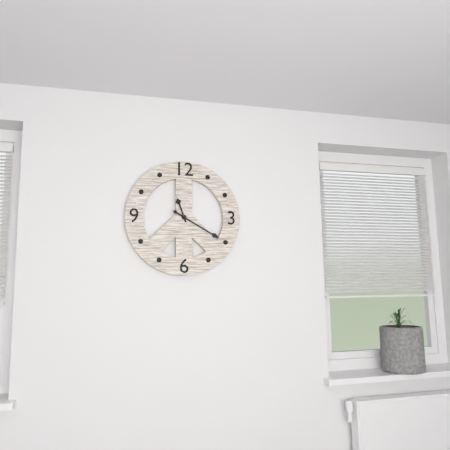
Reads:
{"hour": 11, "minute": 20}
